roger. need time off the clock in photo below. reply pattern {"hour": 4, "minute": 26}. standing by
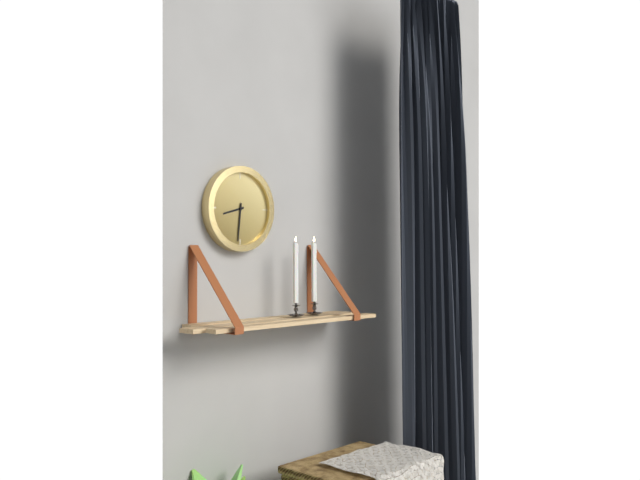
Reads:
{"hour": 8, "minute": 31}
